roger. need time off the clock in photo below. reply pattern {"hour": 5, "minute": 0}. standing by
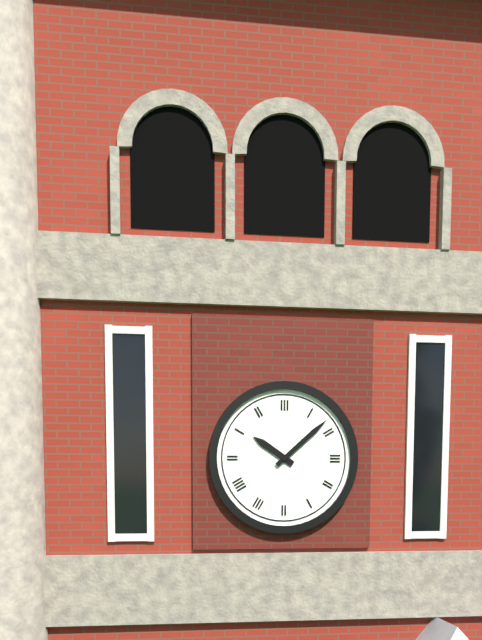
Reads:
{"hour": 10, "minute": 8}
